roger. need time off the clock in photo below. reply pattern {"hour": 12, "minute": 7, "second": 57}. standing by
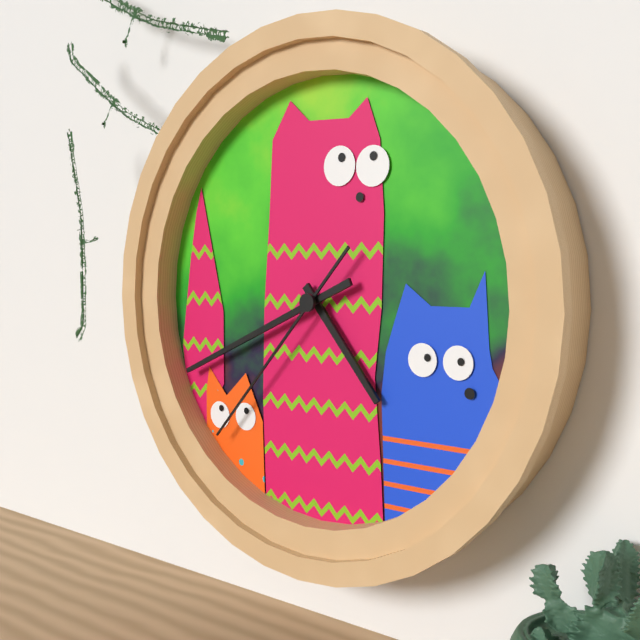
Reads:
{"hour": 4, "minute": 41, "second": 37}
